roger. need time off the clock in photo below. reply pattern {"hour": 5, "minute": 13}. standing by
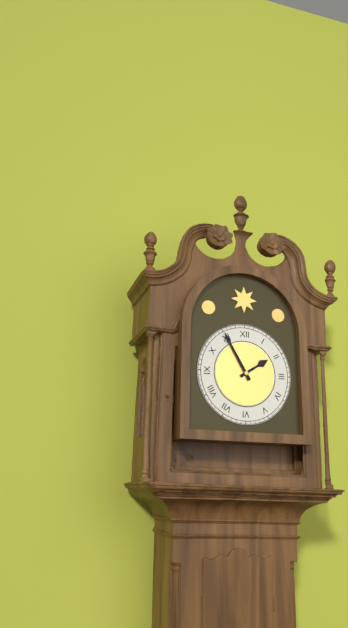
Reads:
{"hour": 1, "minute": 55}
